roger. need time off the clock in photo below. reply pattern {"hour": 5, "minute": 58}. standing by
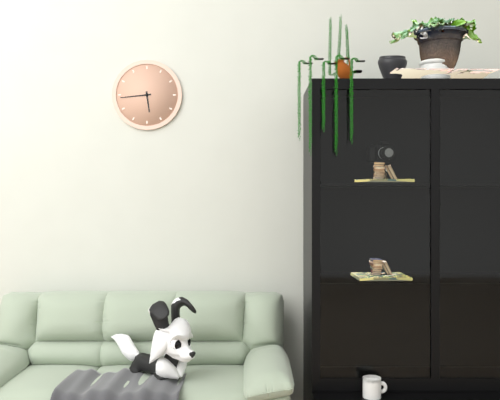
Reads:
{"hour": 5, "minute": 44}
